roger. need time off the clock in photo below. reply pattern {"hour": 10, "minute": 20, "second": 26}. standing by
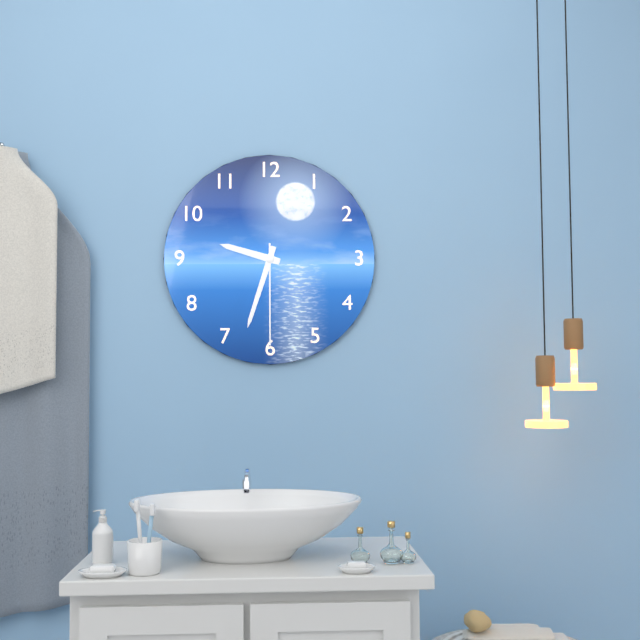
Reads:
{"hour": 9, "minute": 33, "second": 30}
